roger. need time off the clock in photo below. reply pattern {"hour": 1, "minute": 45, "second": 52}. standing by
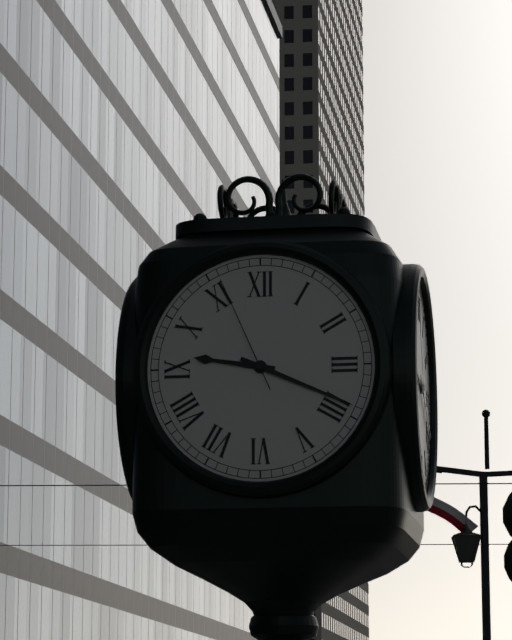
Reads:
{"hour": 9, "minute": 19, "second": 56}
